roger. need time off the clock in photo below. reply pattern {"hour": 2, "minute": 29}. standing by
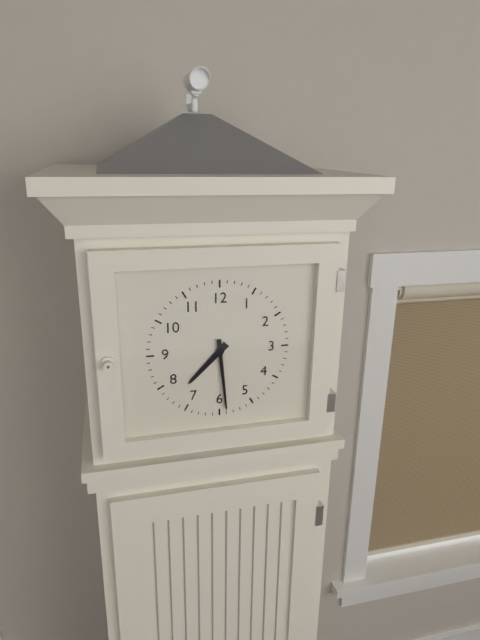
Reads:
{"hour": 7, "minute": 29}
